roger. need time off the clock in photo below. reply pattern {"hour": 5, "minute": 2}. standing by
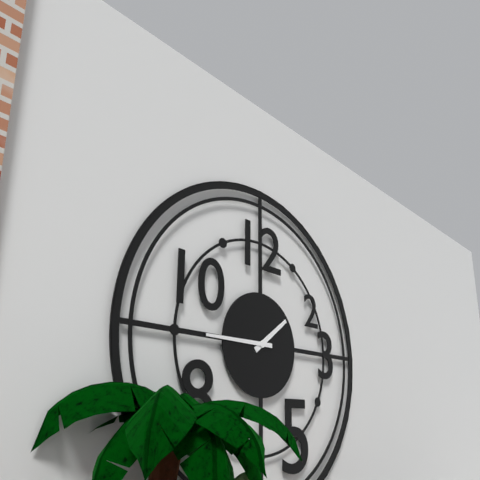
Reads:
{"hour": 1, "minute": 45}
